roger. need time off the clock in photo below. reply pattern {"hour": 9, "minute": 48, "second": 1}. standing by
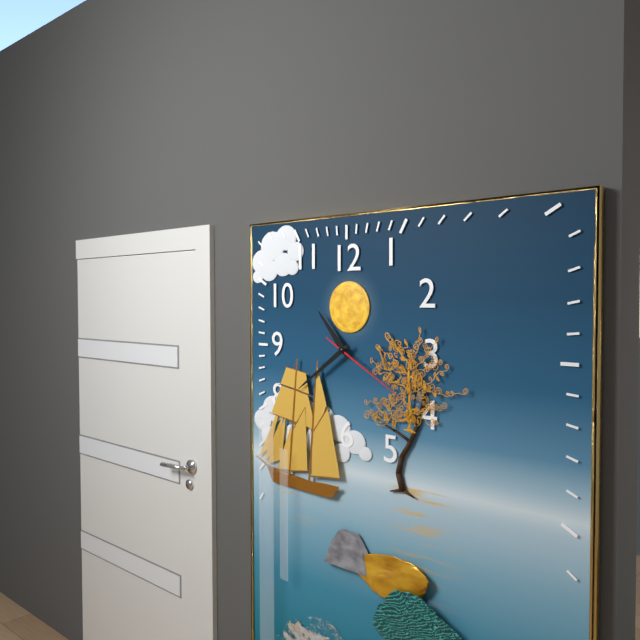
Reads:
{"hour": 10, "minute": 39, "second": 20}
